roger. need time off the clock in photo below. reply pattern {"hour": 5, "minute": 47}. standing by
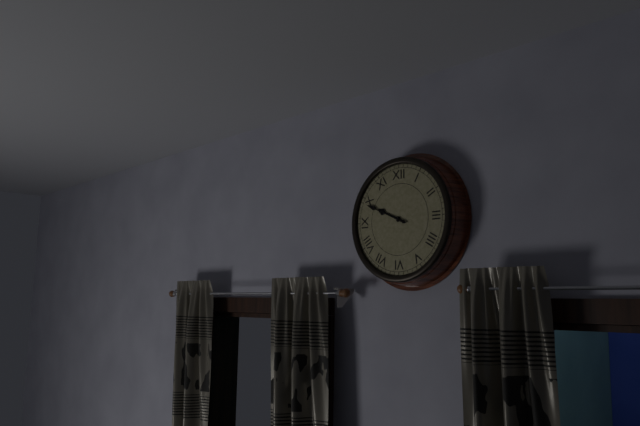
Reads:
{"hour": 9, "minute": 49}
